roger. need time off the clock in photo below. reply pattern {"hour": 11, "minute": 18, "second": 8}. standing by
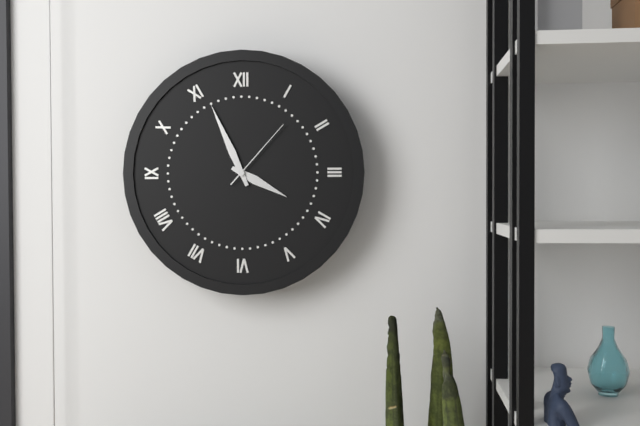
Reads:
{"hour": 3, "minute": 56, "second": 7}
